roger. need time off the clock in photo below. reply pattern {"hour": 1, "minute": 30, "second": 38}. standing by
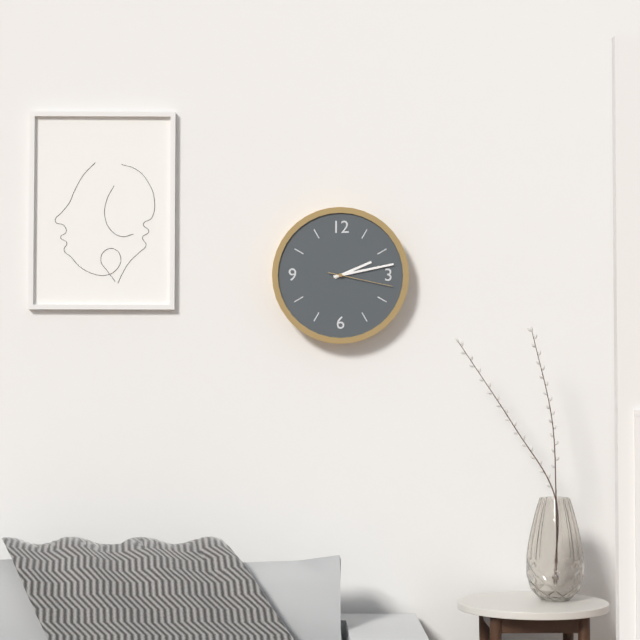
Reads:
{"hour": 2, "minute": 13, "second": 17}
